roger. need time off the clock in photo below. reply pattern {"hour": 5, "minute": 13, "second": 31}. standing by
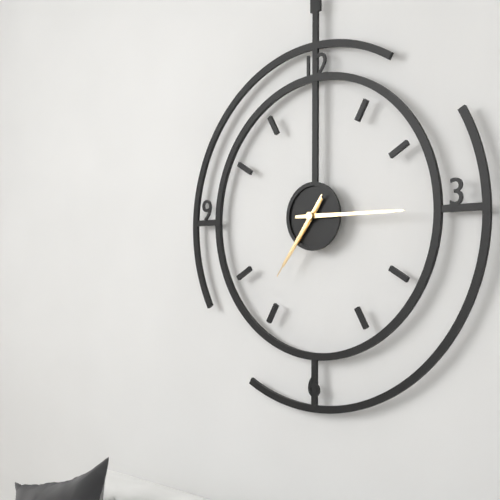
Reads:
{"hour": 7, "minute": 15, "second": 36}
